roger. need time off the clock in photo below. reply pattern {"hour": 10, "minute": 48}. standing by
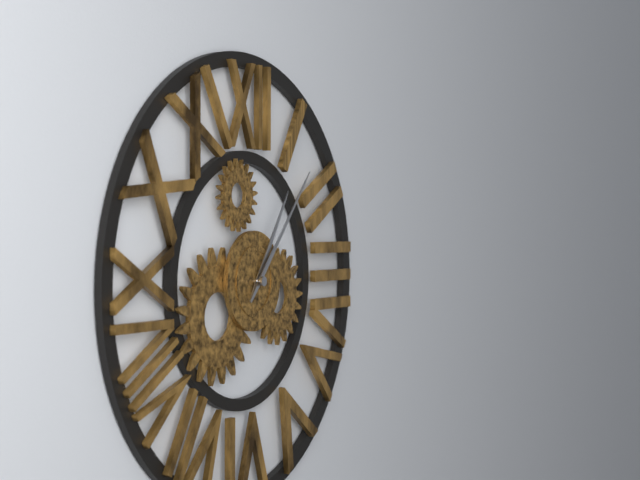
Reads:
{"hour": 1, "minute": 7}
